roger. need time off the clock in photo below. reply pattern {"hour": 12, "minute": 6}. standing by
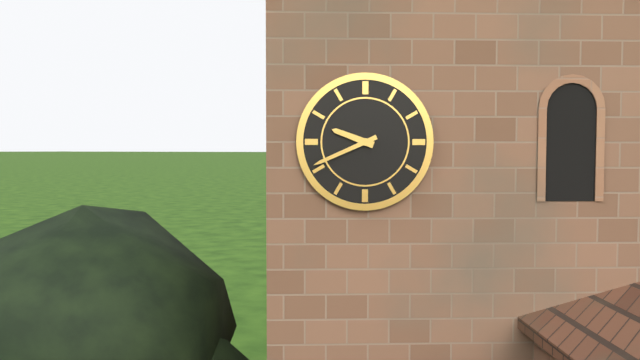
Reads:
{"hour": 9, "minute": 41}
